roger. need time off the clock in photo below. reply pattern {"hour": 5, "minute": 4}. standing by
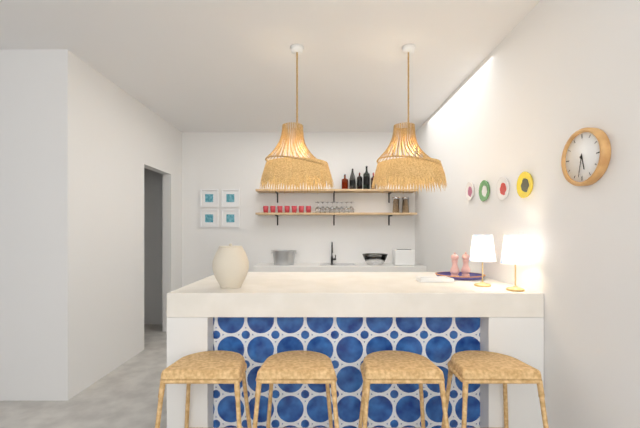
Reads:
{"hour": 5, "minute": 32}
